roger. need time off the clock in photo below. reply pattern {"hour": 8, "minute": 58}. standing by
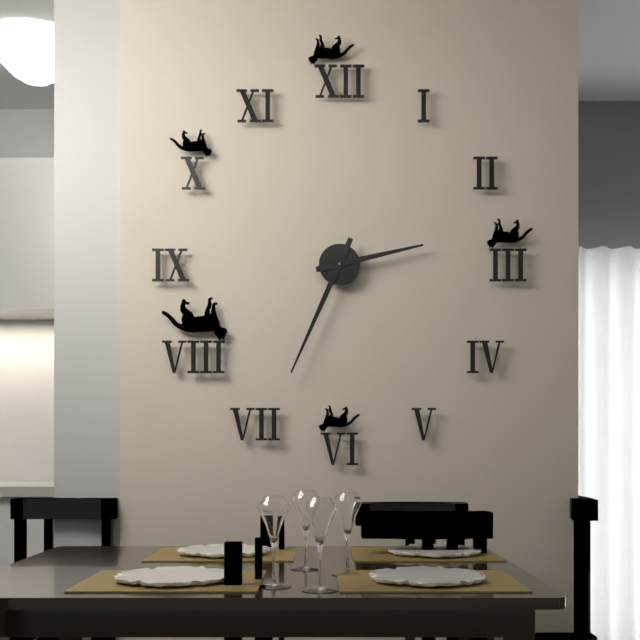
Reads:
{"hour": 2, "minute": 34}
